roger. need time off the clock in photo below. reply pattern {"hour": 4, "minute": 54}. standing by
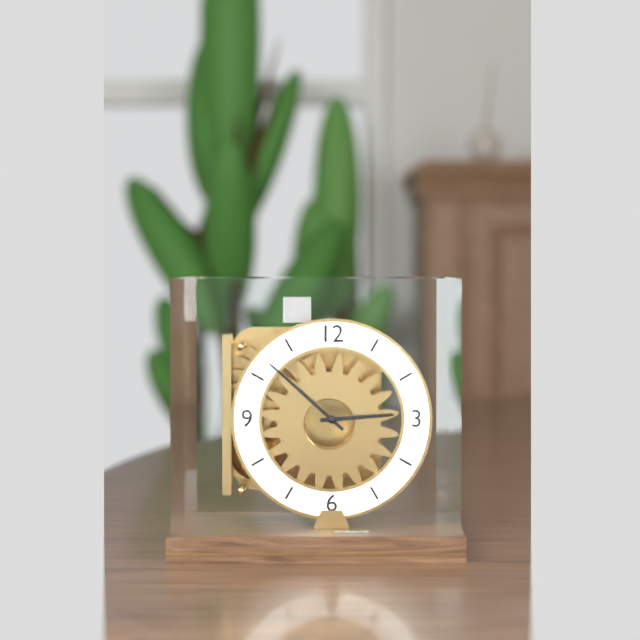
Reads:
{"hour": 2, "minute": 52}
